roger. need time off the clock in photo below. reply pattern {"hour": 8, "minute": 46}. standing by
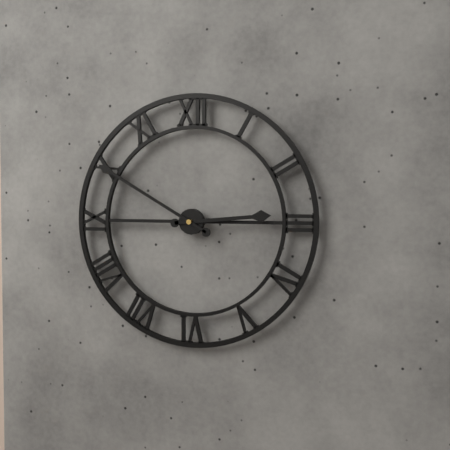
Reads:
{"hour": 2, "minute": 50}
